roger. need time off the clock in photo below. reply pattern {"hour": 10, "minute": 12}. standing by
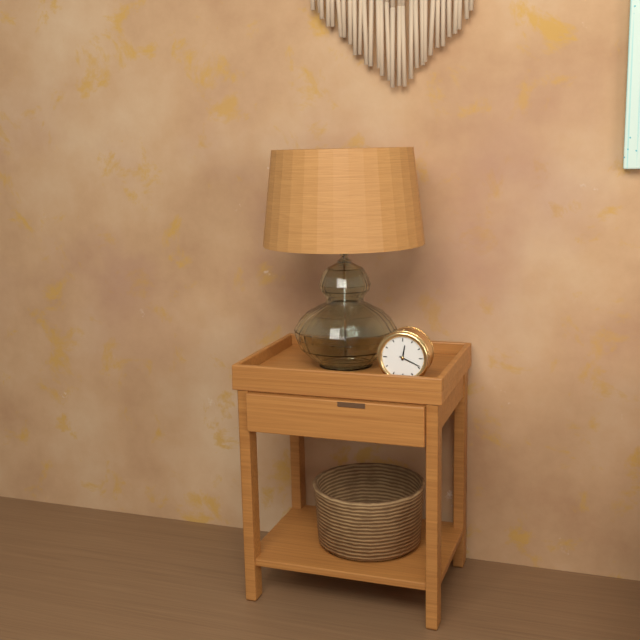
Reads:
{"hour": 12, "minute": 19}
